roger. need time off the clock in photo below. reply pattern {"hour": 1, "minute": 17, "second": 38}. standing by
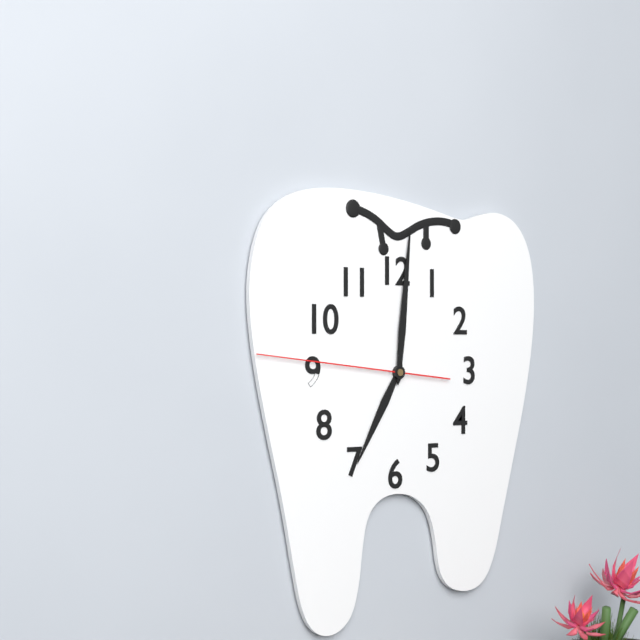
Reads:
{"hour": 7, "minute": 1, "second": 46}
